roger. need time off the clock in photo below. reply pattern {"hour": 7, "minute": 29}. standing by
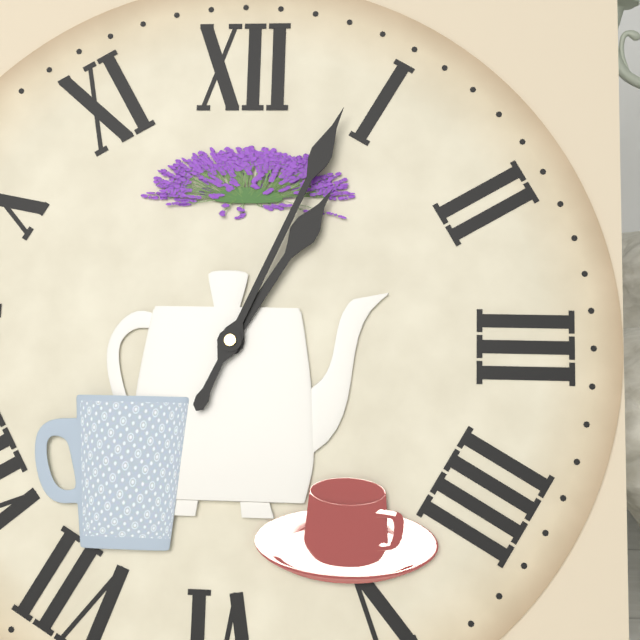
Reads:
{"hour": 1, "minute": 4}
